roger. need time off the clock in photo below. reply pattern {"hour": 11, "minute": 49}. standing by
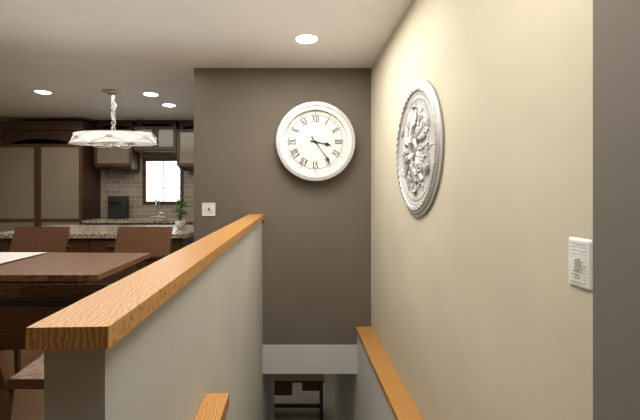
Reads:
{"hour": 3, "minute": 24}
